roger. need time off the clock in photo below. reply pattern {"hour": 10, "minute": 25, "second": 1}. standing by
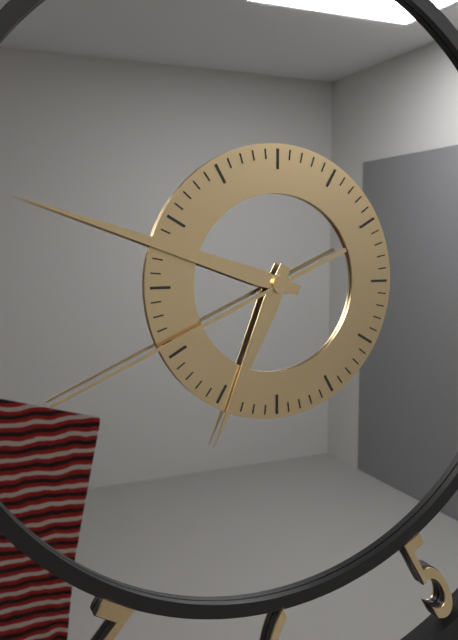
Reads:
{"hour": 6, "minute": 48, "second": 41}
